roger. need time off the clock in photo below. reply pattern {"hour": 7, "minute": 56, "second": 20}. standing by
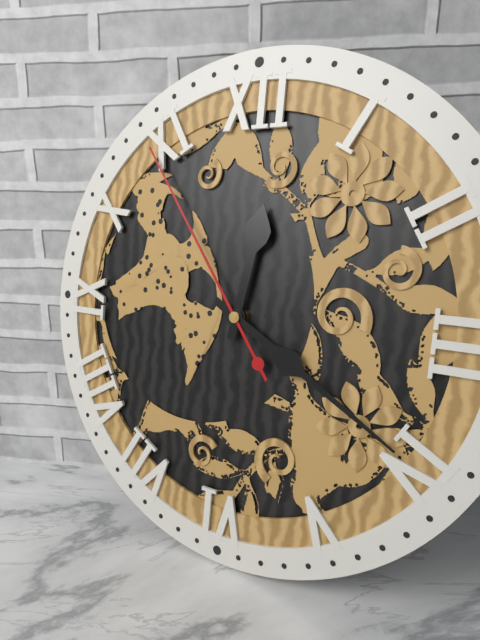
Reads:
{"hour": 12, "minute": 20, "second": 54}
